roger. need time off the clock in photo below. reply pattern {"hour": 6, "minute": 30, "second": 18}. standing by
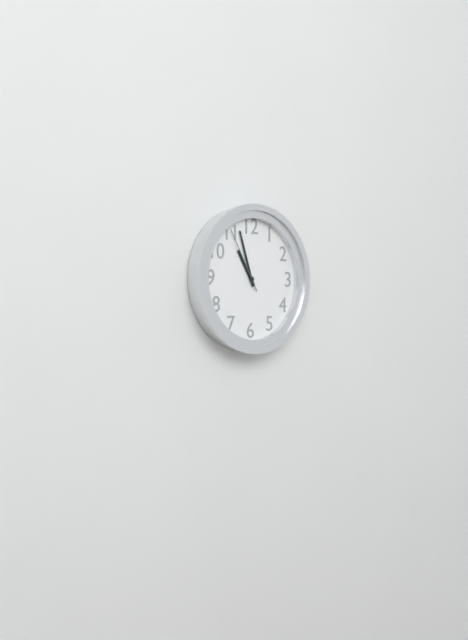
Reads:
{"hour": 10, "minute": 57, "second": 55}
